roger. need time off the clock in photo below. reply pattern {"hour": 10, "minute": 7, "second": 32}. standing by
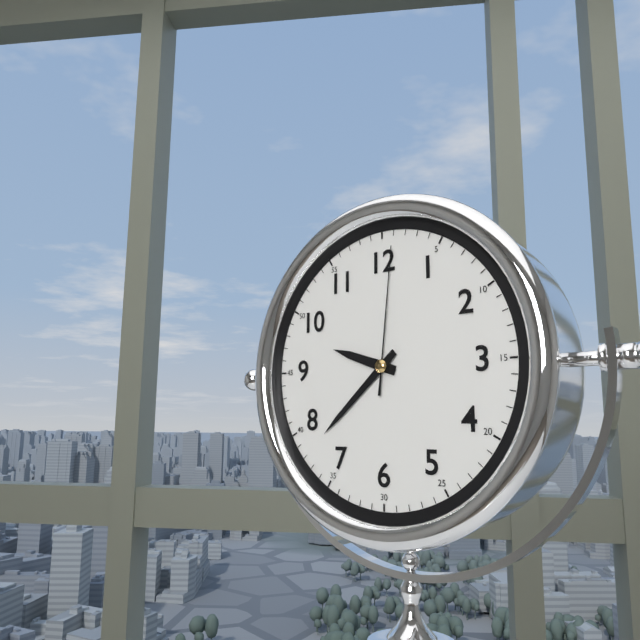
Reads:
{"hour": 9, "minute": 38, "second": 1}
